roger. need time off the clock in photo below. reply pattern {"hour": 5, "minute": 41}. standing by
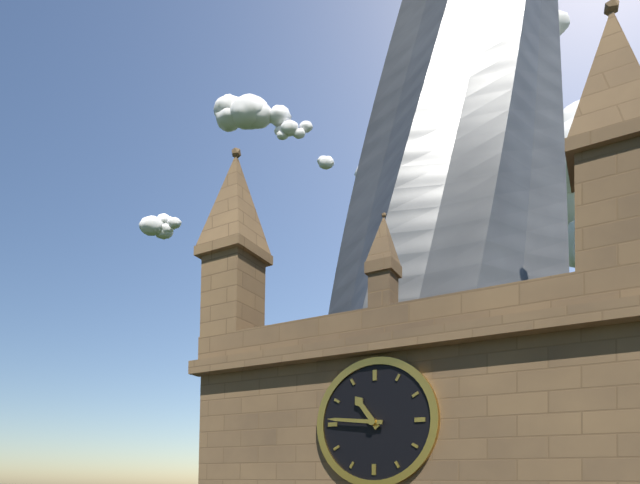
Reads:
{"hour": 10, "minute": 46}
